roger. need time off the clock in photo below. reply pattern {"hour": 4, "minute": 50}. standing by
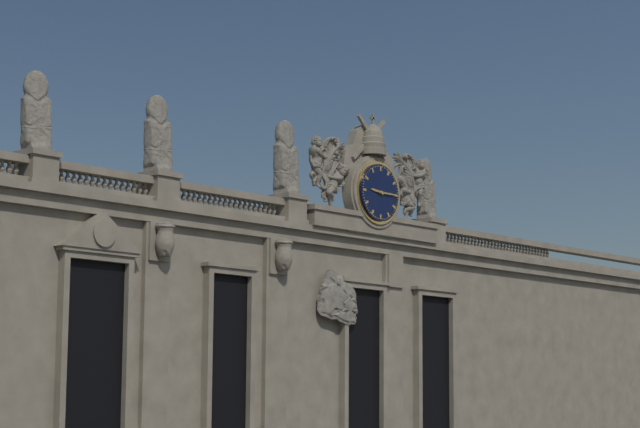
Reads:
{"hour": 9, "minute": 15}
